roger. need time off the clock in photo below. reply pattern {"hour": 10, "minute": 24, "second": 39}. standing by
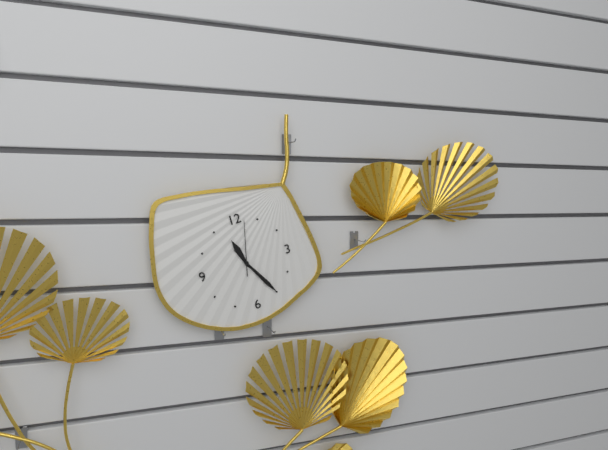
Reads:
{"hour": 11, "minute": 25, "second": 2}
